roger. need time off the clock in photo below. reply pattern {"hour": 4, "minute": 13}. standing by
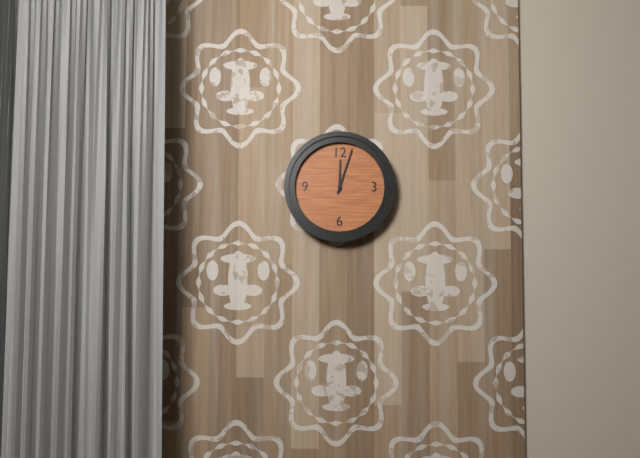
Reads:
{"hour": 12, "minute": 3}
